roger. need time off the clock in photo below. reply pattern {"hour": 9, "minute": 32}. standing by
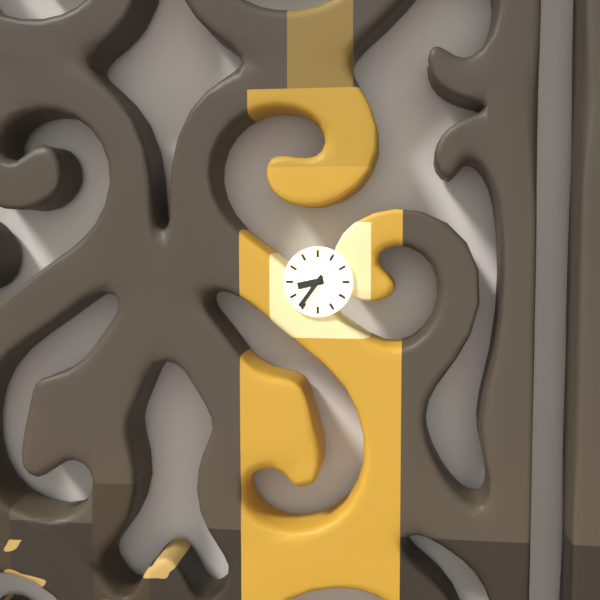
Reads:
{"hour": 8, "minute": 36}
